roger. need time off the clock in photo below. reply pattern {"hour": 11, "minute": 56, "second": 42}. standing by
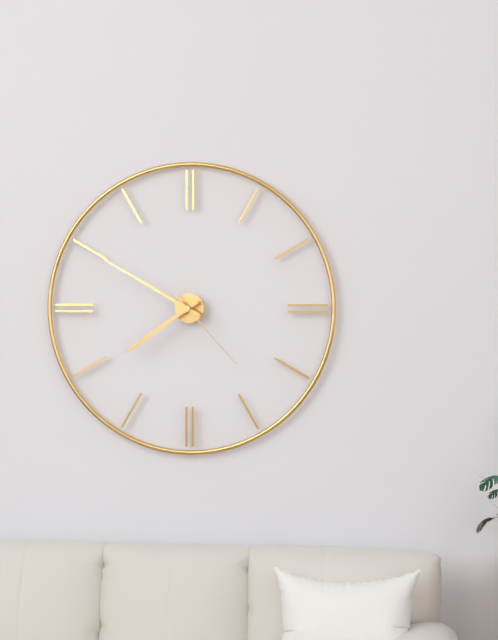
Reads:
{"hour": 7, "minute": 50, "second": 23}
